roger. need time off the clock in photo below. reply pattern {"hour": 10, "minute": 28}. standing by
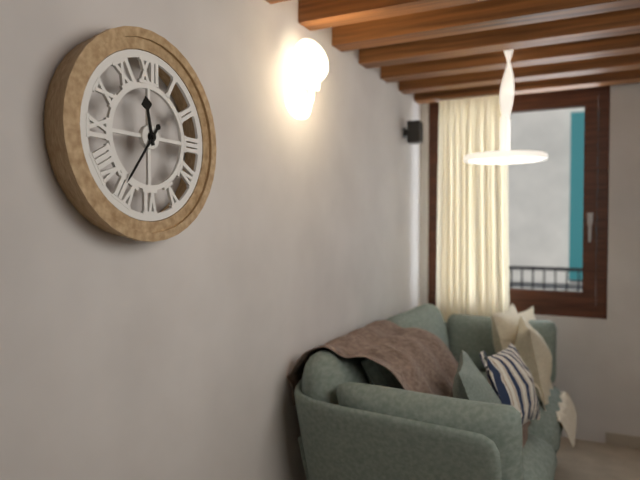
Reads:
{"hour": 11, "minute": 36}
